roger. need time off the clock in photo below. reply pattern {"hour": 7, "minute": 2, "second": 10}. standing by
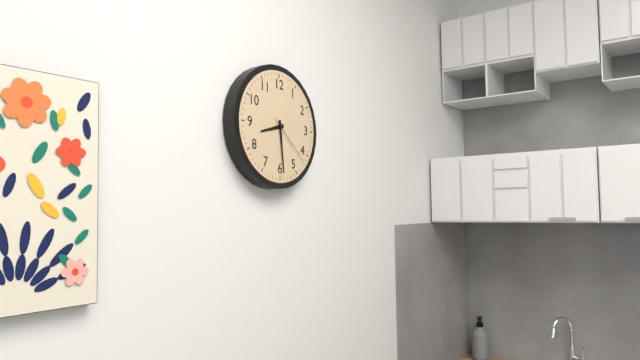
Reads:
{"hour": 8, "minute": 29, "second": 22}
